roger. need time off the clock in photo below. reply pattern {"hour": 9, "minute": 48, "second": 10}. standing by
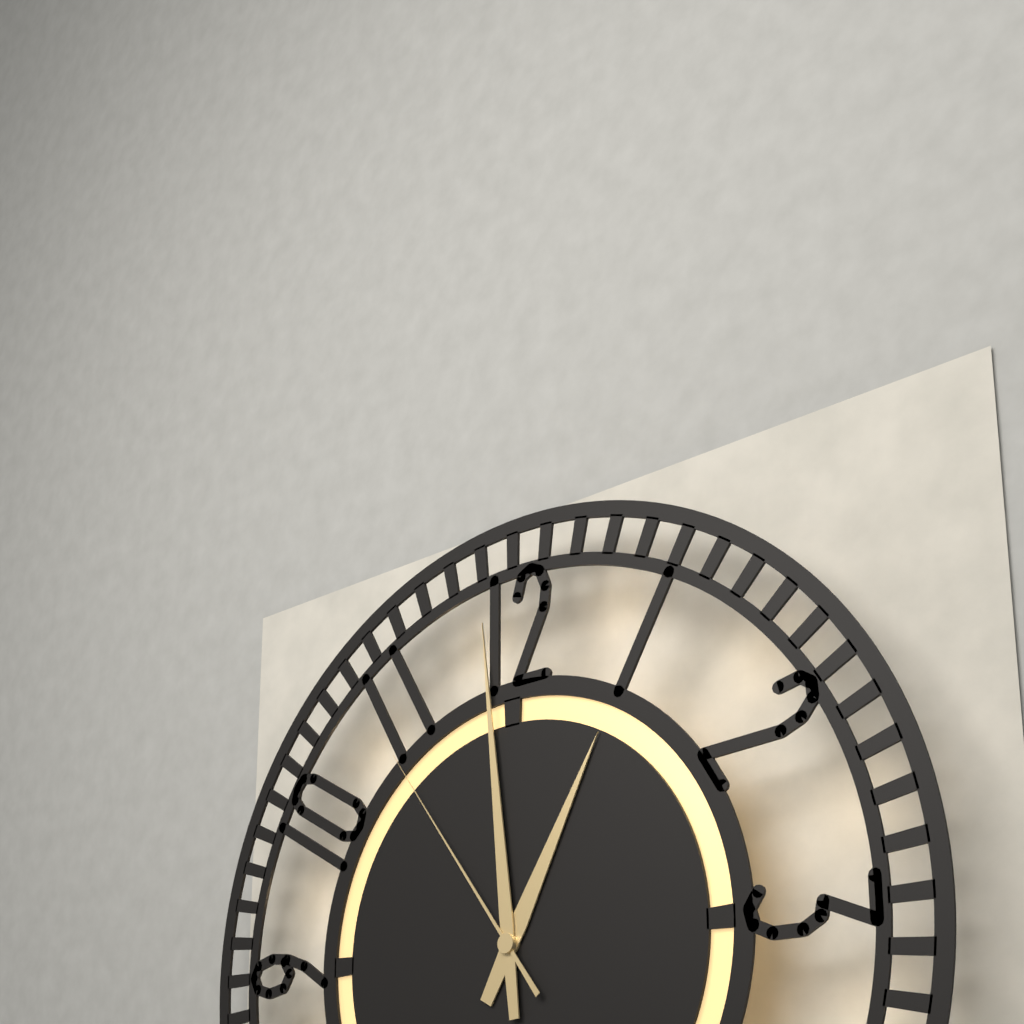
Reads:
{"hour": 12, "minute": 59, "second": 54}
